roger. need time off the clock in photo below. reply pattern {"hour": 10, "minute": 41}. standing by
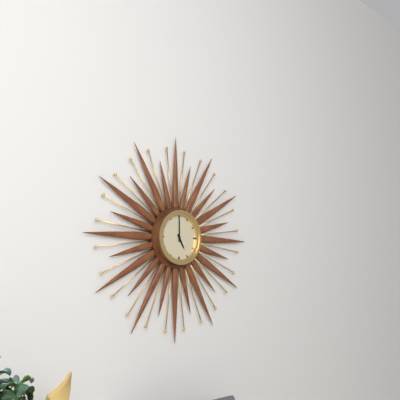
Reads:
{"hour": 5, "minute": 0}
